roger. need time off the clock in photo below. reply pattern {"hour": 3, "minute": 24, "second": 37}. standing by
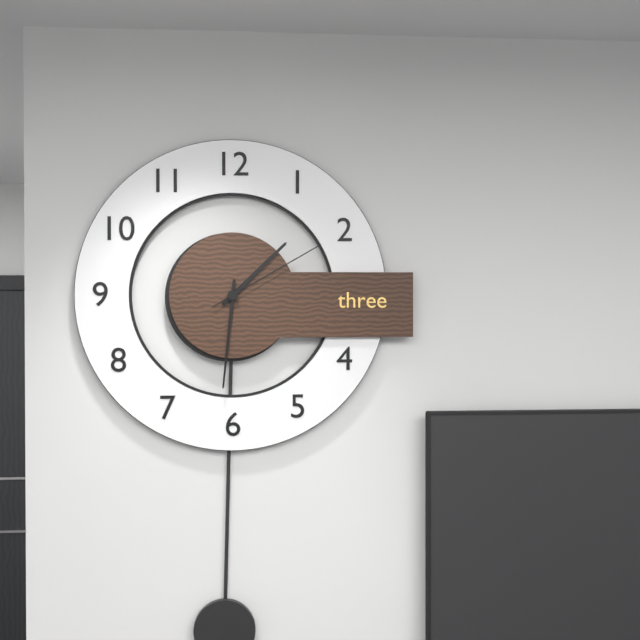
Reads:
{"hour": 1, "minute": 31, "second": 10}
